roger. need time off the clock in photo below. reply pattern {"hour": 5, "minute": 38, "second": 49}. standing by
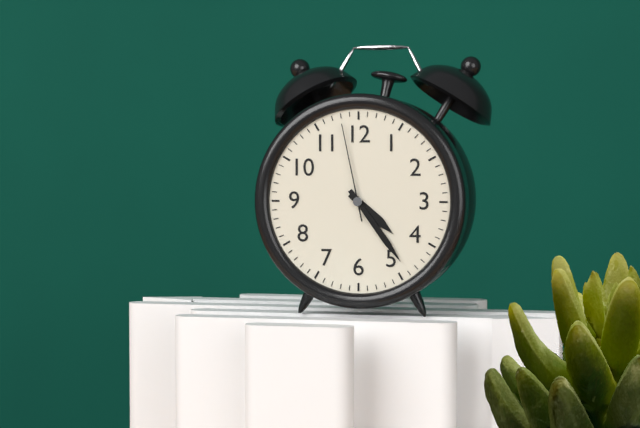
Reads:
{"hour": 4, "minute": 24, "second": 58}
